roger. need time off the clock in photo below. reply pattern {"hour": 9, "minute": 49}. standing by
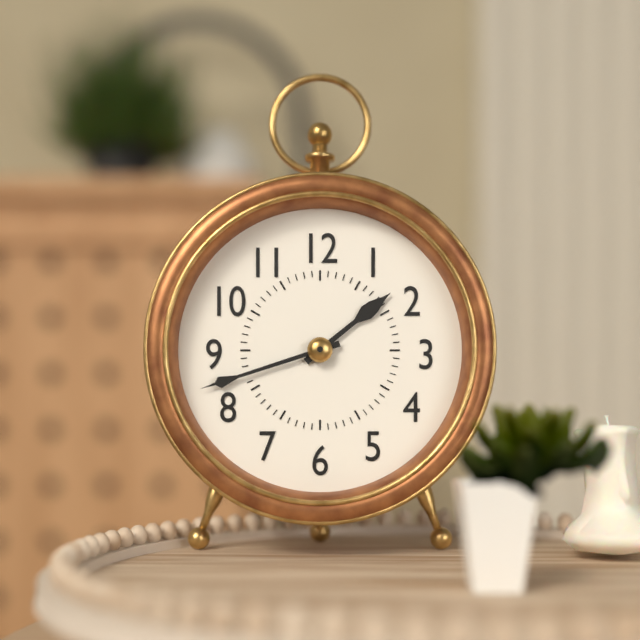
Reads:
{"hour": 1, "minute": 42}
